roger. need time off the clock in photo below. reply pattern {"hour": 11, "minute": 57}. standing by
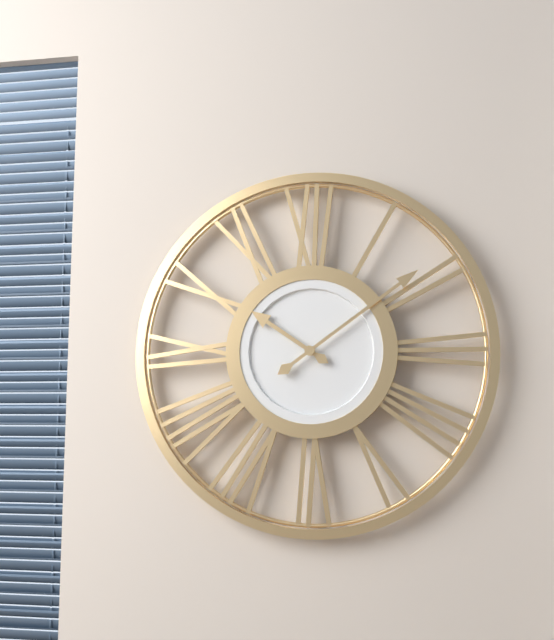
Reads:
{"hour": 10, "minute": 9}
